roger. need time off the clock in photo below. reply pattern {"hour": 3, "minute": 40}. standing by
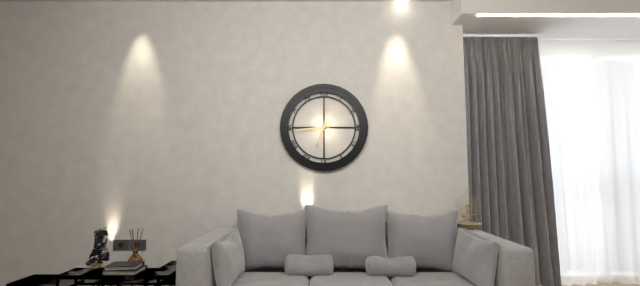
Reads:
{"hour": 6, "minute": 44}
